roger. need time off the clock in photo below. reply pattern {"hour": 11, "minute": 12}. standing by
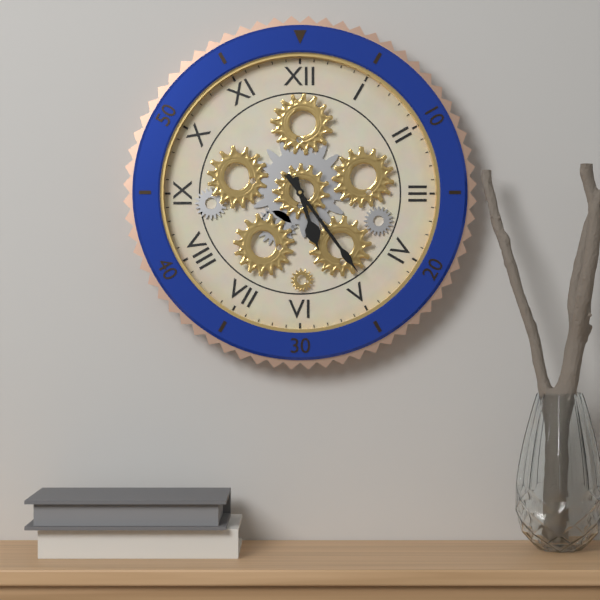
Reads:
{"hour": 5, "minute": 24}
